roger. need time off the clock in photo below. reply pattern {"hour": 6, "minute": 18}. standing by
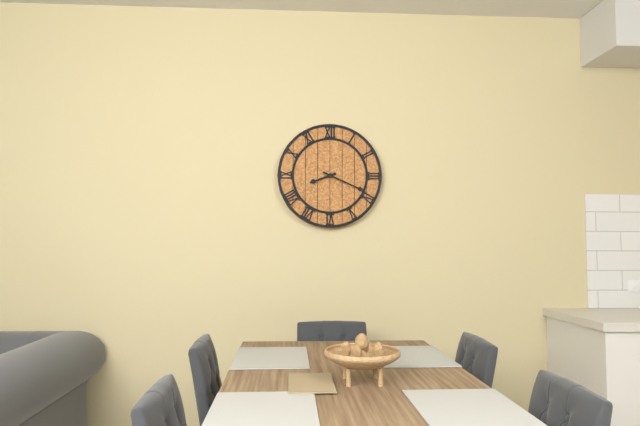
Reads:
{"hour": 8, "minute": 19}
